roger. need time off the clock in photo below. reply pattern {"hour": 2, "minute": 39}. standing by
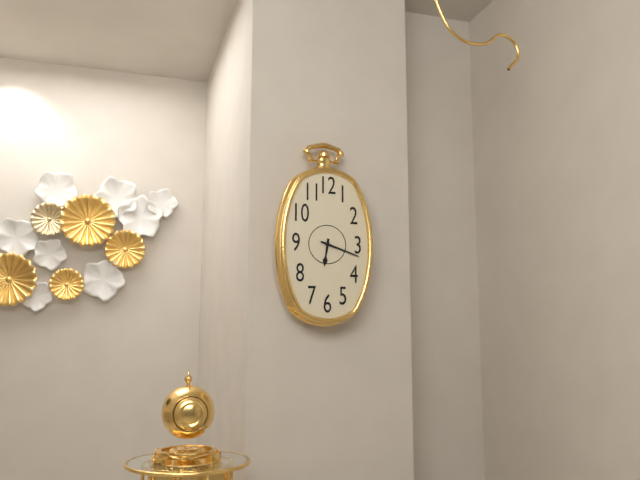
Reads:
{"hour": 6, "minute": 18}
